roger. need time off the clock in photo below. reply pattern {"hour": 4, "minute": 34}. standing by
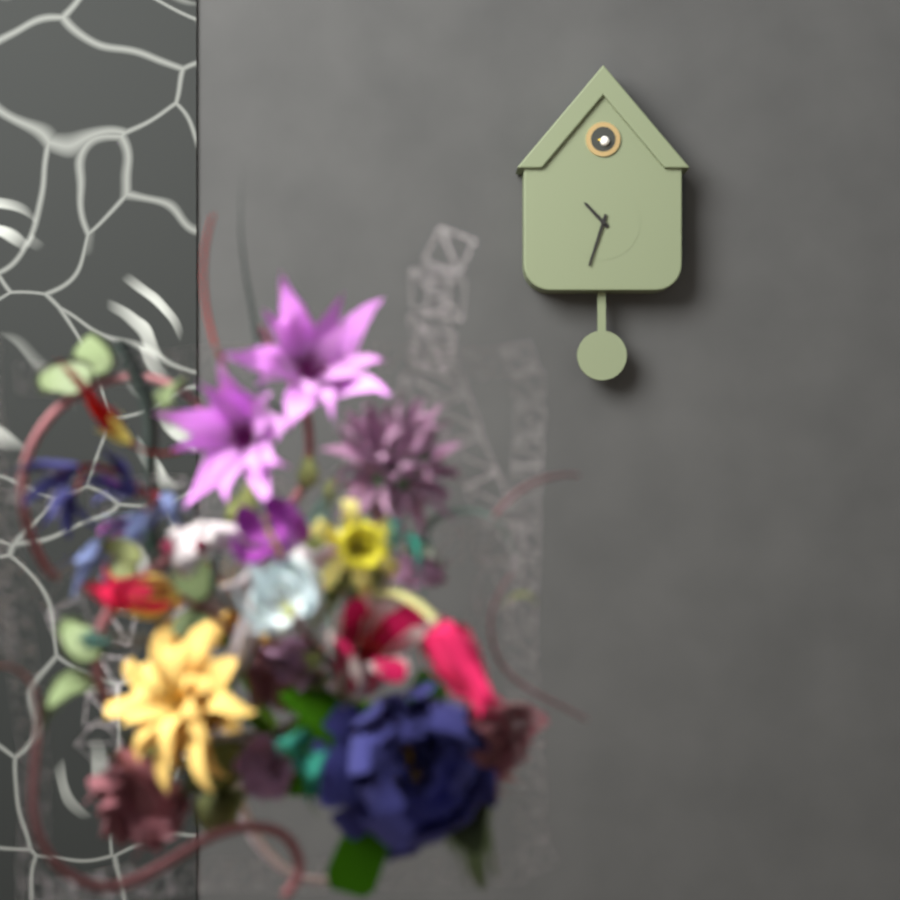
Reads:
{"hour": 10, "minute": 33}
